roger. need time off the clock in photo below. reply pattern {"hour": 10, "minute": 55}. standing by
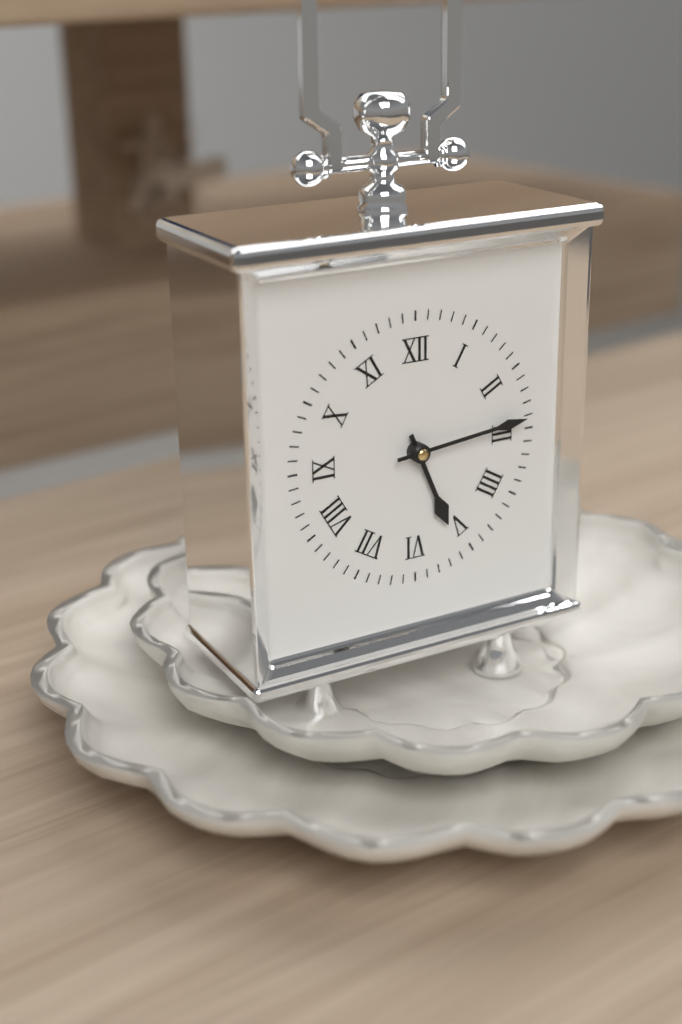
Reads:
{"hour": 5, "minute": 14}
